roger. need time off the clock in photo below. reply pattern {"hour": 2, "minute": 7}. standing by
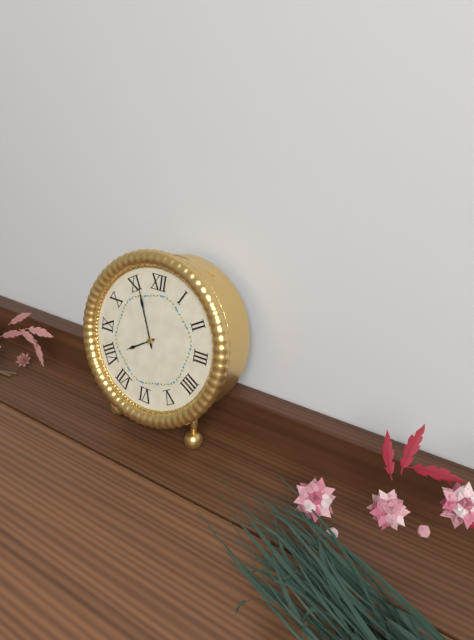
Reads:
{"hour": 7, "minute": 56}
